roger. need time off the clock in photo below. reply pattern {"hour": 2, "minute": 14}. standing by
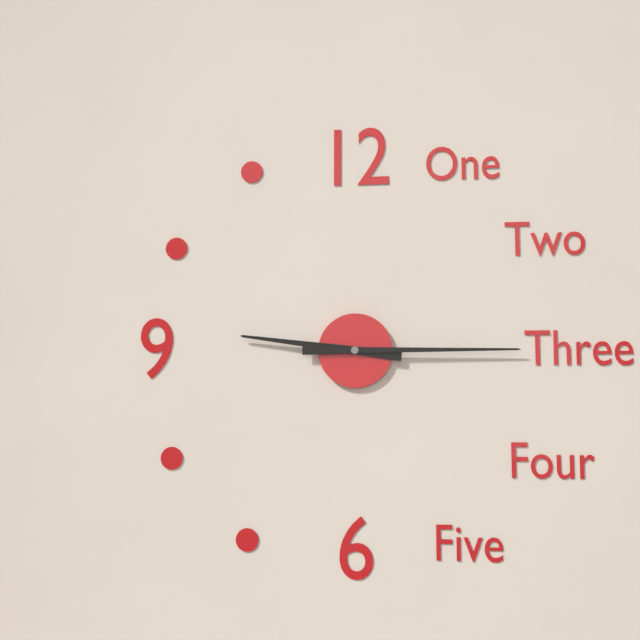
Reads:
{"hour": 9, "minute": 15}
